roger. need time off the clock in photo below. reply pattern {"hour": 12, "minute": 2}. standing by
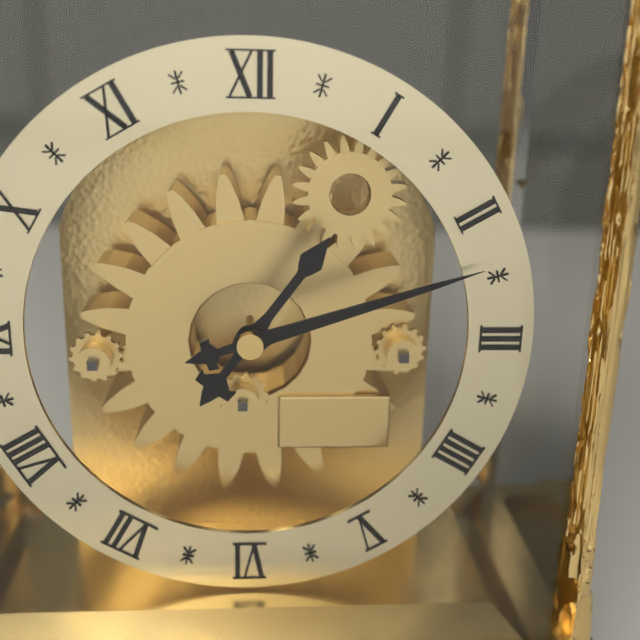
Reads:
{"hour": 1, "minute": 12}
